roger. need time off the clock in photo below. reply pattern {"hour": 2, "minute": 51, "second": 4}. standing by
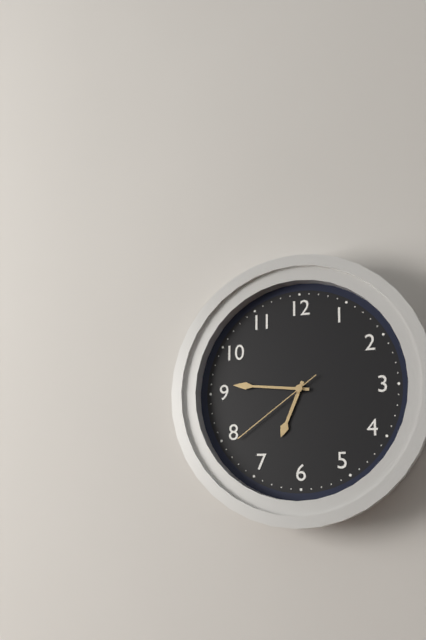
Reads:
{"hour": 6, "minute": 46, "second": 39}
